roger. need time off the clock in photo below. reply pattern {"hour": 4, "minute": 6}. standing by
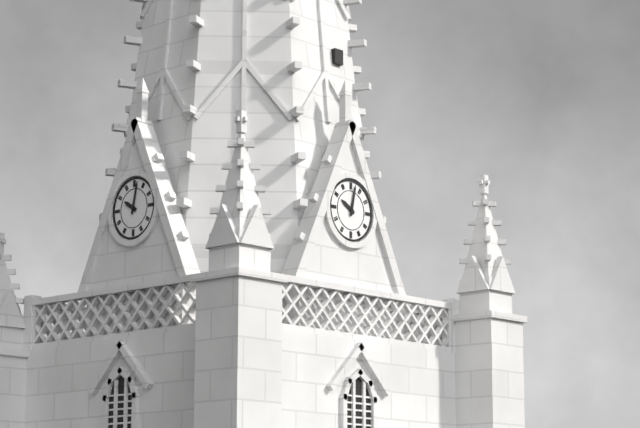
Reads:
{"hour": 10, "minute": 2}
